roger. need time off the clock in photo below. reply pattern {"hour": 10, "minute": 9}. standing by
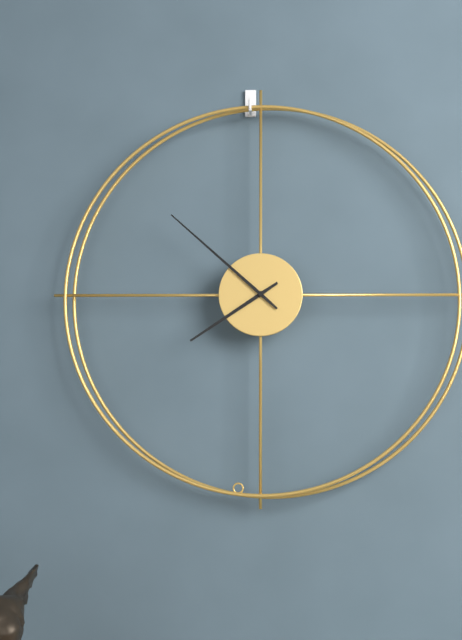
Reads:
{"hour": 7, "minute": 52}
